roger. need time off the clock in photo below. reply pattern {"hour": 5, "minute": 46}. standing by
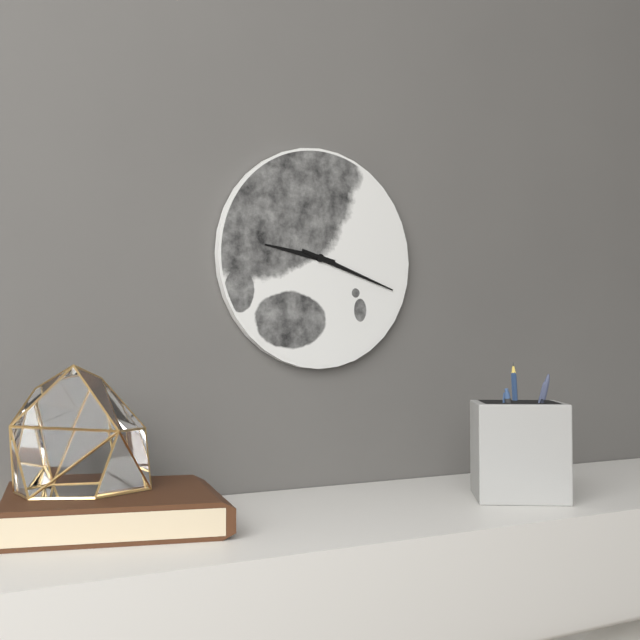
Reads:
{"hour": 9, "minute": 18}
